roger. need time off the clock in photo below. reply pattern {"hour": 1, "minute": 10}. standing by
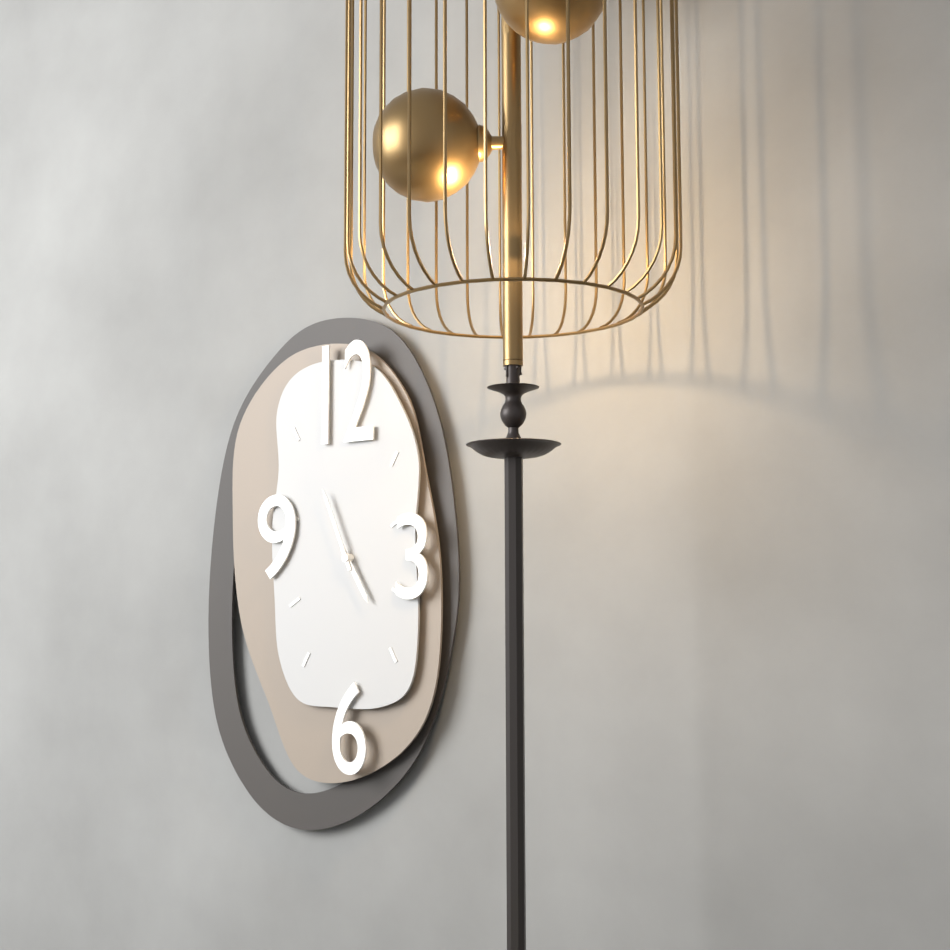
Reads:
{"hour": 4, "minute": 56}
